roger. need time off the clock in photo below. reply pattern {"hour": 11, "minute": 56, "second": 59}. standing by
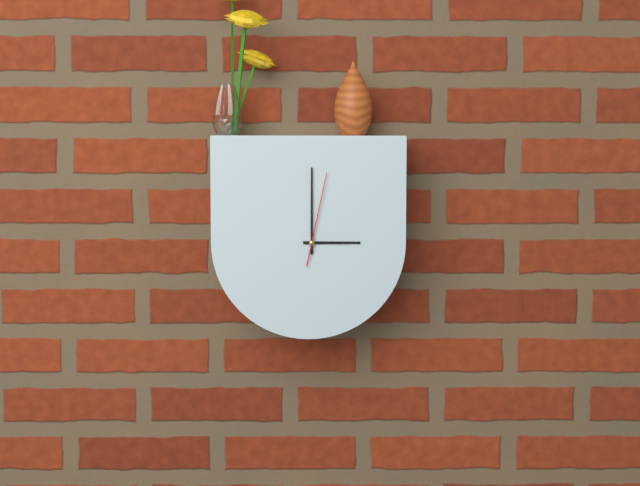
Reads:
{"hour": 3, "minute": 0, "second": 2}
